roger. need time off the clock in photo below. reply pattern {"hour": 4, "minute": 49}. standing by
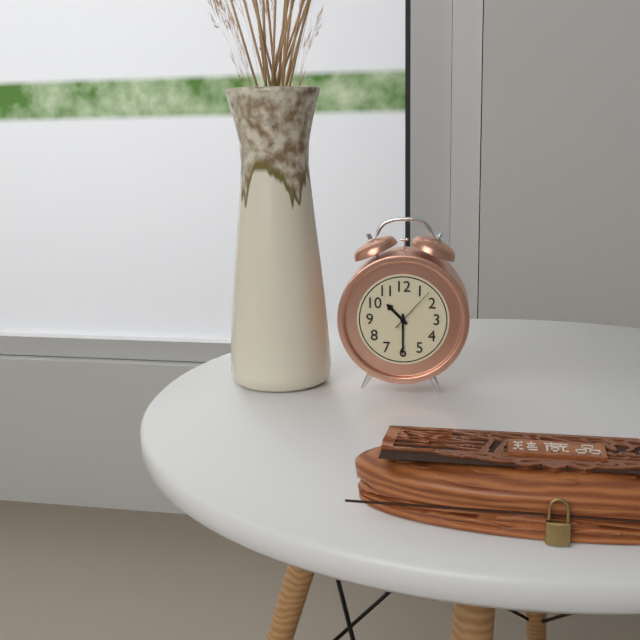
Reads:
{"hour": 10, "minute": 30}
